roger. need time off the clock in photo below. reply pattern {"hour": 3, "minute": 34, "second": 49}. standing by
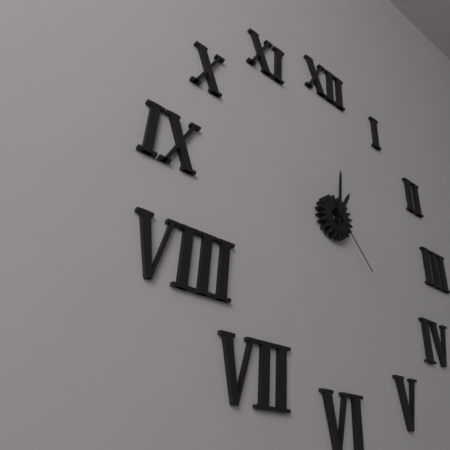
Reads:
{"hour": 1, "minute": 1, "second": 23}
